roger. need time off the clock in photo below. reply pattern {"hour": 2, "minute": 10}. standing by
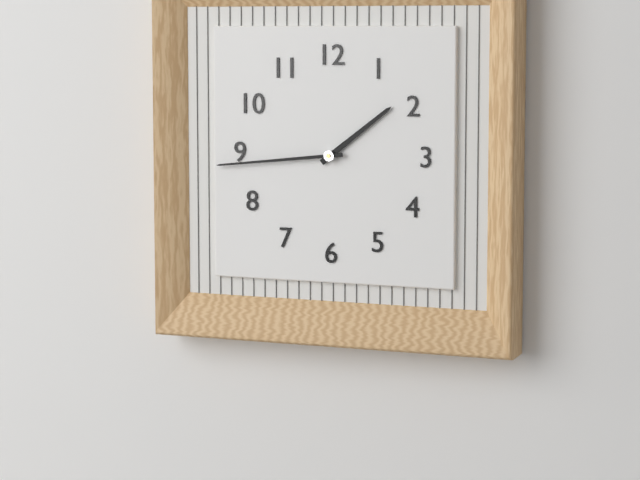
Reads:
{"hour": 1, "minute": 44}
